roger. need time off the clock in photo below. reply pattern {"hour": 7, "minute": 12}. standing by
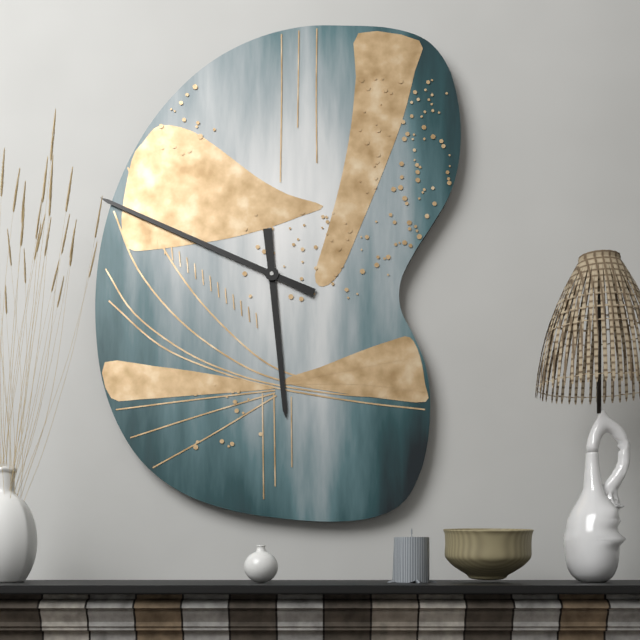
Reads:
{"hour": 5, "minute": 49}
